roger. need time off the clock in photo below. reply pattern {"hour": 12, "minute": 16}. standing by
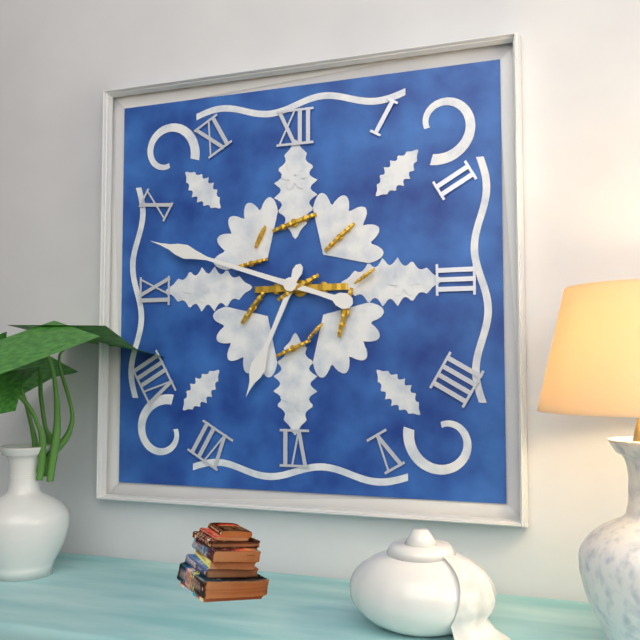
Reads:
{"hour": 6, "minute": 48}
